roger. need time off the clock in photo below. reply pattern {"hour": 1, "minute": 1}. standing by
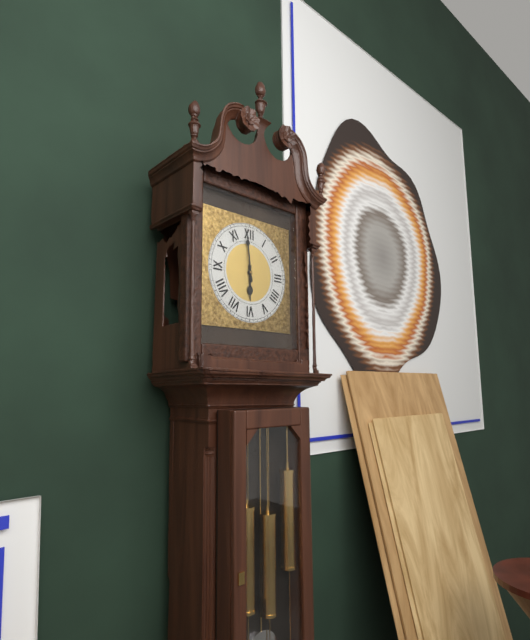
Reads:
{"hour": 5, "minute": 59}
